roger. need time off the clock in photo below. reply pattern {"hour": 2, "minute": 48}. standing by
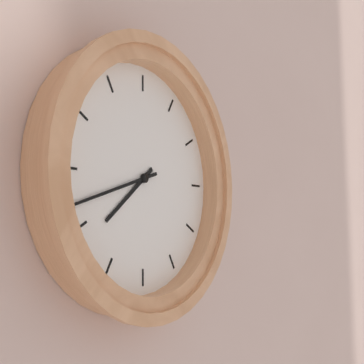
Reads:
{"hour": 7, "minute": 42}
